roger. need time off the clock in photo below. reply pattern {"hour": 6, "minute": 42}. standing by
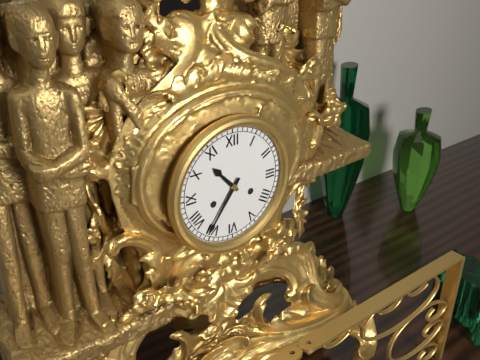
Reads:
{"hour": 10, "minute": 36}
